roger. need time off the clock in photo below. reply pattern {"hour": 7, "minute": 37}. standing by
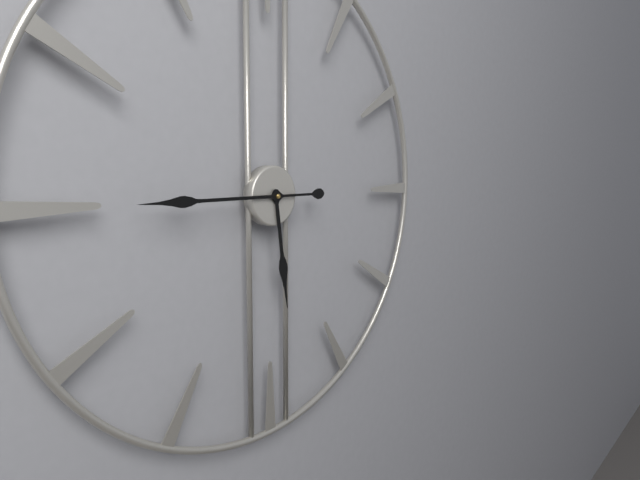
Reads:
{"hour": 5, "minute": 45}
